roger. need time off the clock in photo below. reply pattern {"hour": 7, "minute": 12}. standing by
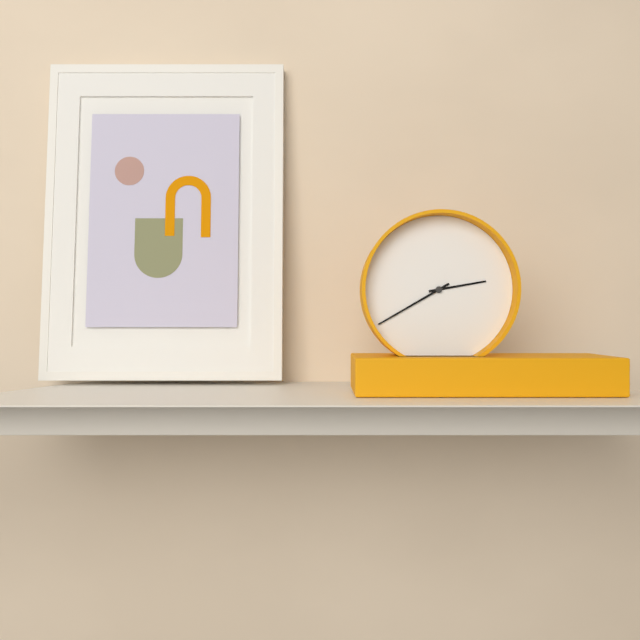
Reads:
{"hour": 2, "minute": 40}
